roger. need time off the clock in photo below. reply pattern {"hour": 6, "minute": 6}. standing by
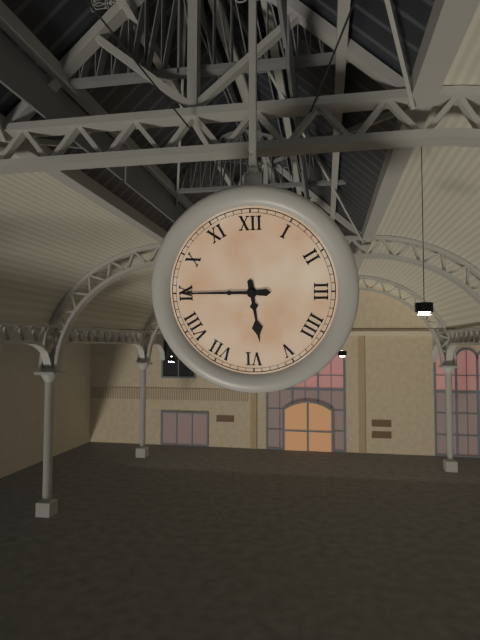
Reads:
{"hour": 5, "minute": 45}
